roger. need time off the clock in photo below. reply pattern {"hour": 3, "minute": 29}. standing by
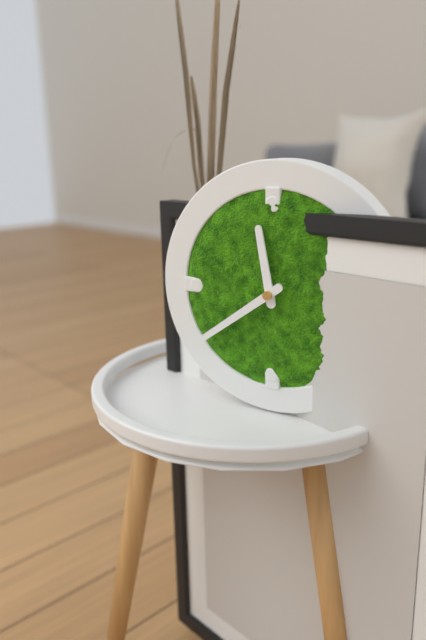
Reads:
{"hour": 11, "minute": 39}
